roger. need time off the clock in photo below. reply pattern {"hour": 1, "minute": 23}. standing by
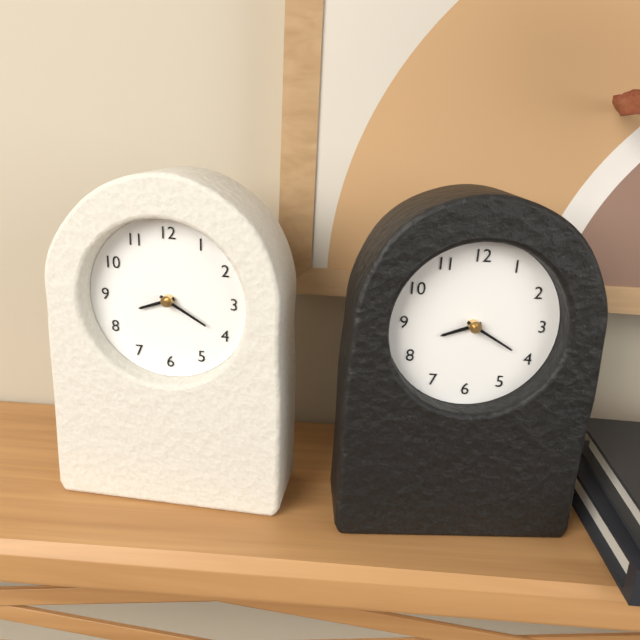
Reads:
{"hour": 8, "minute": 20}
